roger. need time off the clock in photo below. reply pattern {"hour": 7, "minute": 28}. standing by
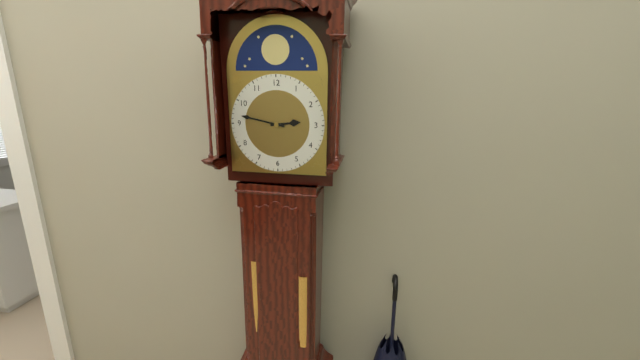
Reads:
{"hour": 2, "minute": 47}
